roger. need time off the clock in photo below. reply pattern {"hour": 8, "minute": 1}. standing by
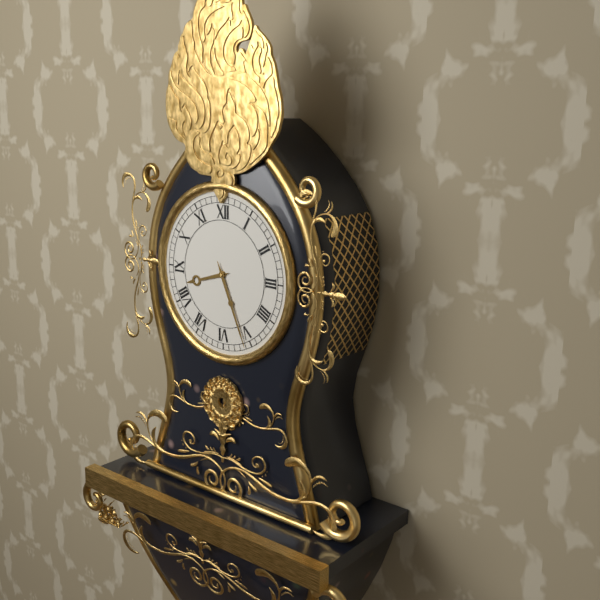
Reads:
{"hour": 8, "minute": 26}
